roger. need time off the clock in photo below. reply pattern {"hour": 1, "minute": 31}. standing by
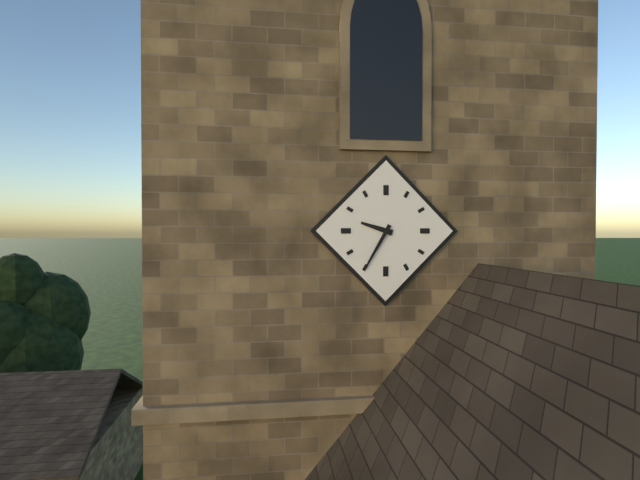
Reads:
{"hour": 9, "minute": 35}
